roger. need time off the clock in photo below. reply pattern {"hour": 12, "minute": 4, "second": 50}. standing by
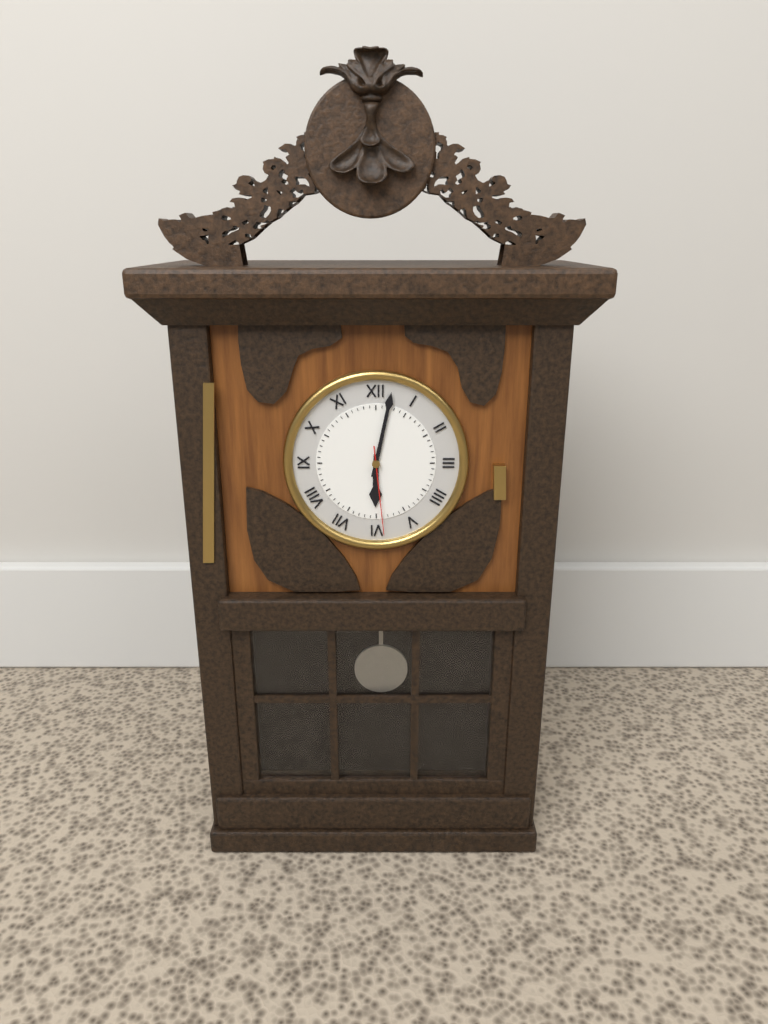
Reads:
{"hour": 6, "minute": 2, "second": 29}
